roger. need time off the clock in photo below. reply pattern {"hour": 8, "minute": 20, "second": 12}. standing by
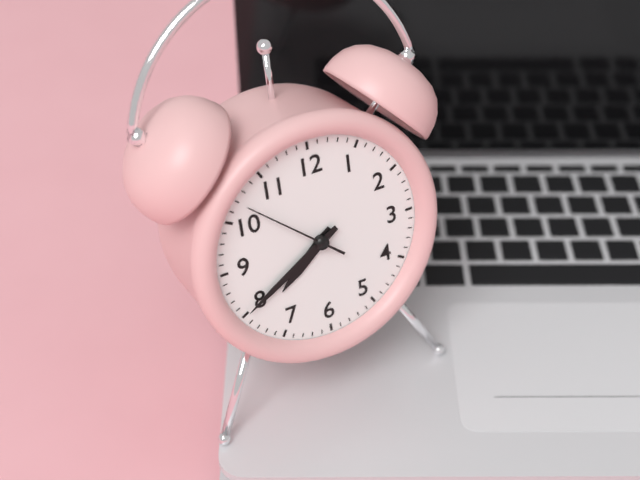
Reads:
{"hour": 7, "minute": 40, "second": 52}
